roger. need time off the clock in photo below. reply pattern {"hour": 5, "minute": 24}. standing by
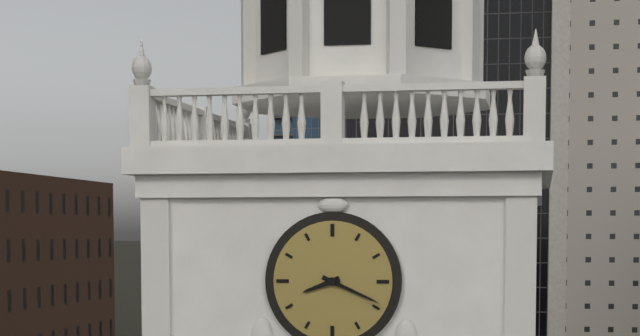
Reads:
{"hour": 8, "minute": 19}
